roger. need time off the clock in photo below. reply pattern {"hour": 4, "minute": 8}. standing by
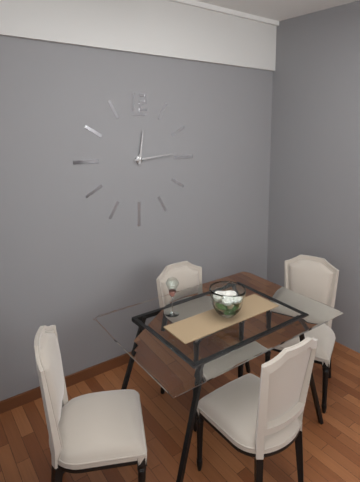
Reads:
{"hour": 12, "minute": 14}
